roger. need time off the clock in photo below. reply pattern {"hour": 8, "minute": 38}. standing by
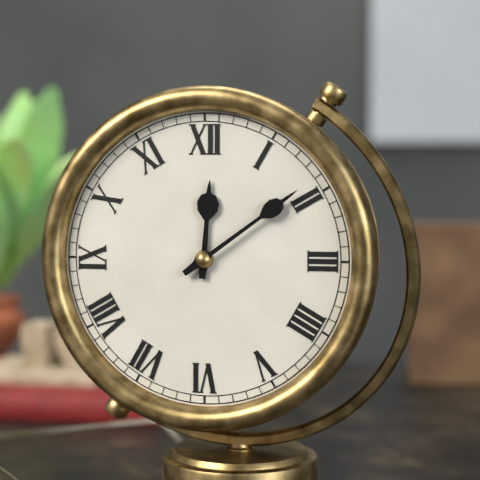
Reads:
{"hour": 12, "minute": 9}
